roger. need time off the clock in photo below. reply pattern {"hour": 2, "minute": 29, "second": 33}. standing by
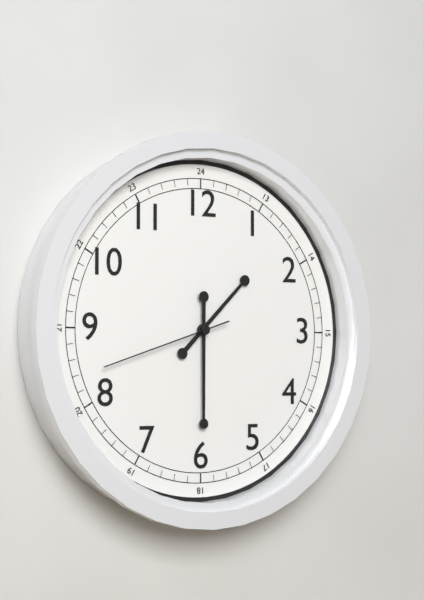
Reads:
{"hour": 1, "minute": 30, "second": 42}
